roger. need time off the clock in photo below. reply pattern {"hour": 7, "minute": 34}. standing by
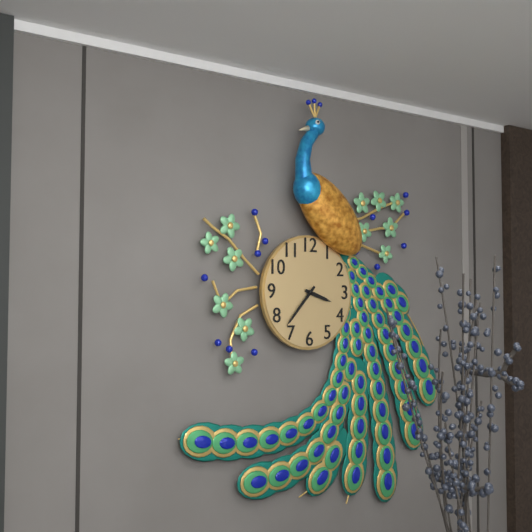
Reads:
{"hour": 3, "minute": 37}
